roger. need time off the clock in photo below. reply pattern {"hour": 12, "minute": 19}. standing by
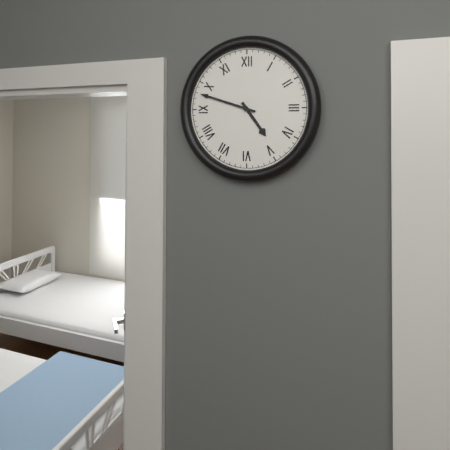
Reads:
{"hour": 4, "minute": 48}
